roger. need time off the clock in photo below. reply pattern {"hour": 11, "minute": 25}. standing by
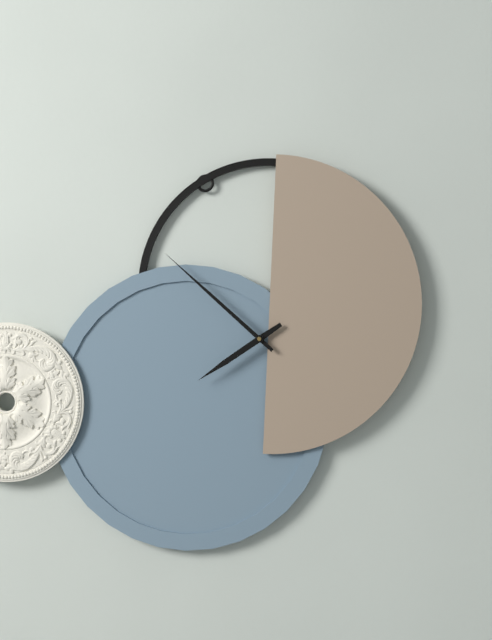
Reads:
{"hour": 7, "minute": 52}
